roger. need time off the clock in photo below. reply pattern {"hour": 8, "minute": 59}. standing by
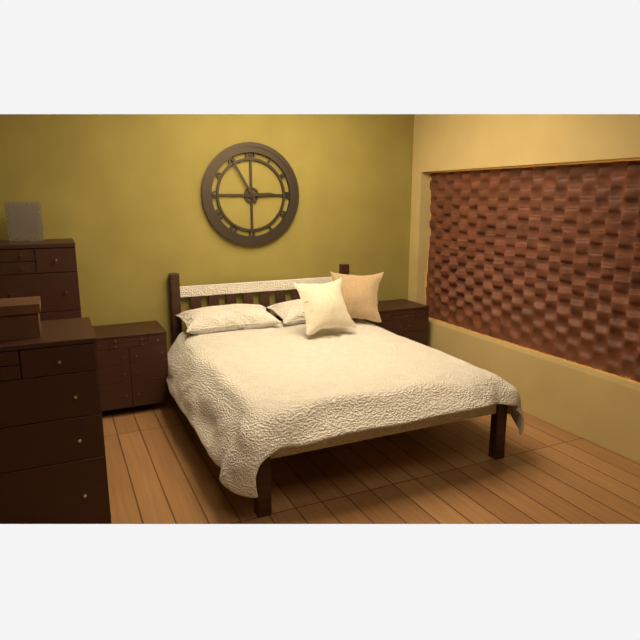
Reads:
{"hour": 2, "minute": 55}
